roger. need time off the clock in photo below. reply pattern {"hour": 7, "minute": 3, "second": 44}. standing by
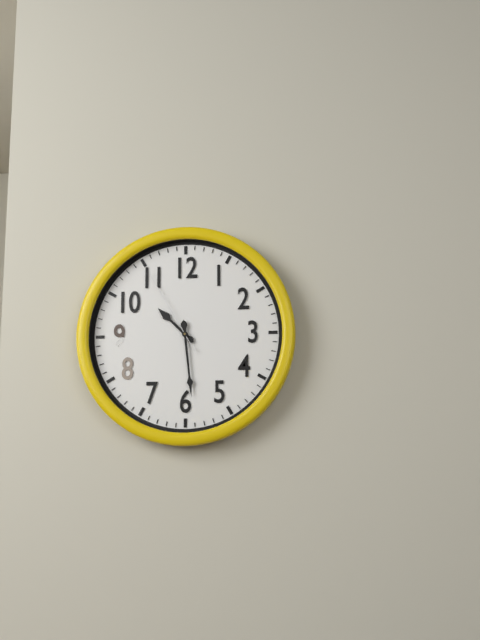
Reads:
{"hour": 10, "minute": 29, "second": 55}
